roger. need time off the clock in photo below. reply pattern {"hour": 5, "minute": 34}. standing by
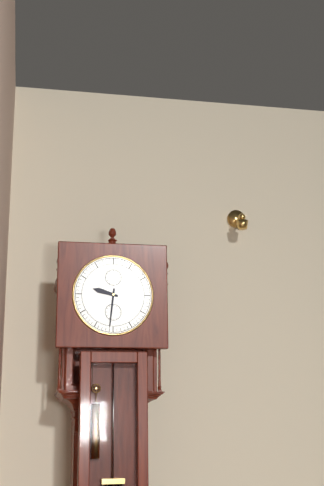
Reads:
{"hour": 9, "minute": 31}
